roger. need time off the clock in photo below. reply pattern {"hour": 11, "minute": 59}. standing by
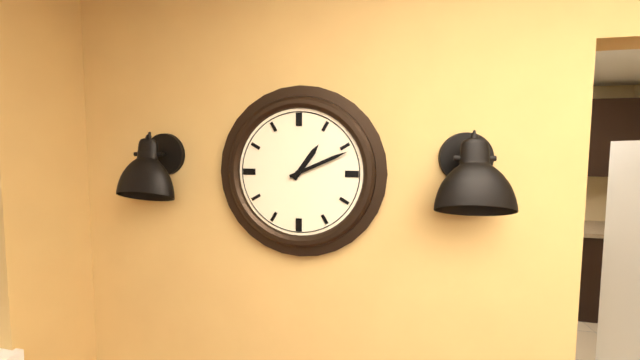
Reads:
{"hour": 1, "minute": 11}
